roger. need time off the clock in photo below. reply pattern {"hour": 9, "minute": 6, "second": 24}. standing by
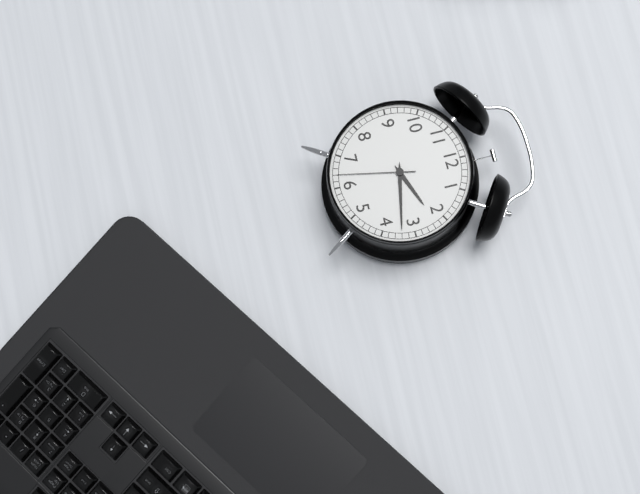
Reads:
{"hour": 2, "minute": 17, "second": 32}
